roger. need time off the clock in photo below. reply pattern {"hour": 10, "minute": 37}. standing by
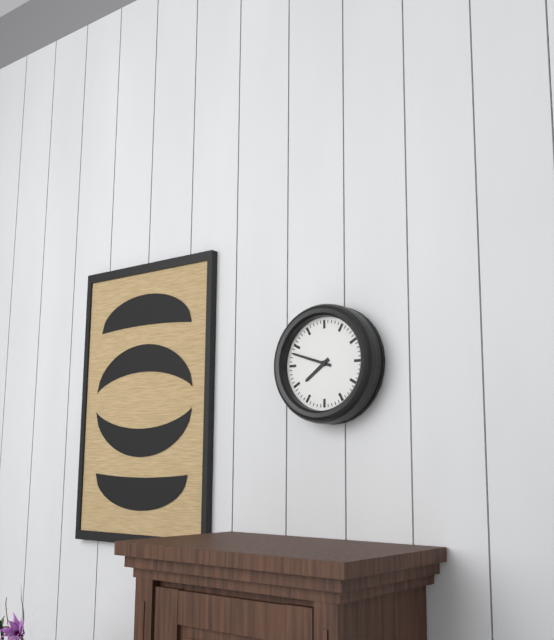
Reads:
{"hour": 7, "minute": 48}
